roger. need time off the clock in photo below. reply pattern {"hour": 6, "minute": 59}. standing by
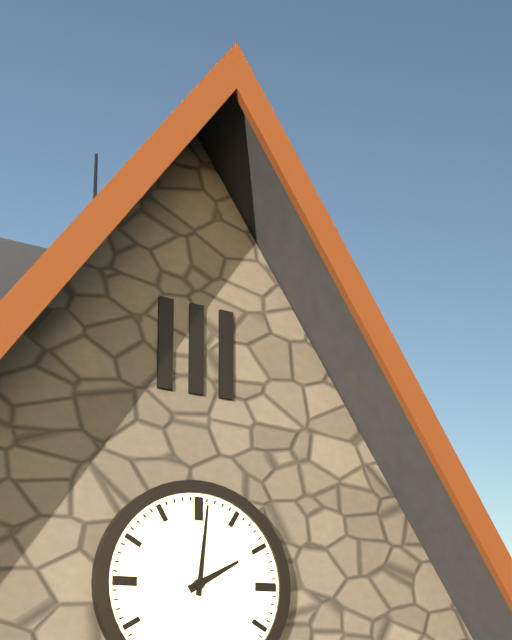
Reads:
{"hour": 2, "minute": 1}
